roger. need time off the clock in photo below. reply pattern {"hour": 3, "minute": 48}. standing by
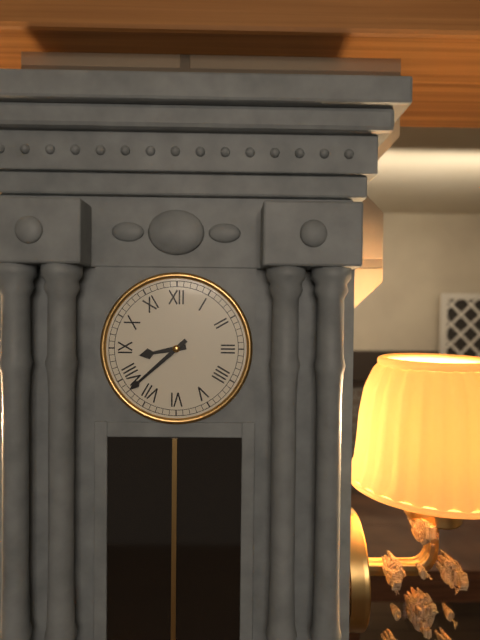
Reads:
{"hour": 8, "minute": 38}
